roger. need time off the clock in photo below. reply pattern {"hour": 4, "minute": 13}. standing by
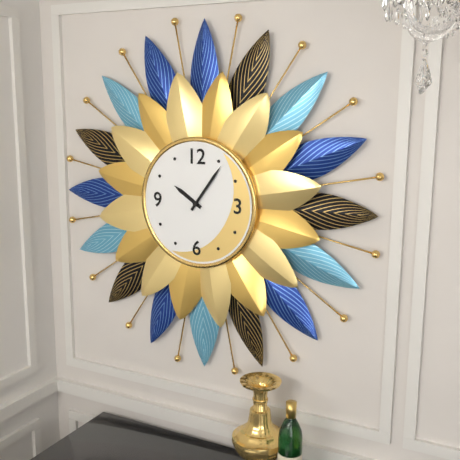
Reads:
{"hour": 10, "minute": 6}
